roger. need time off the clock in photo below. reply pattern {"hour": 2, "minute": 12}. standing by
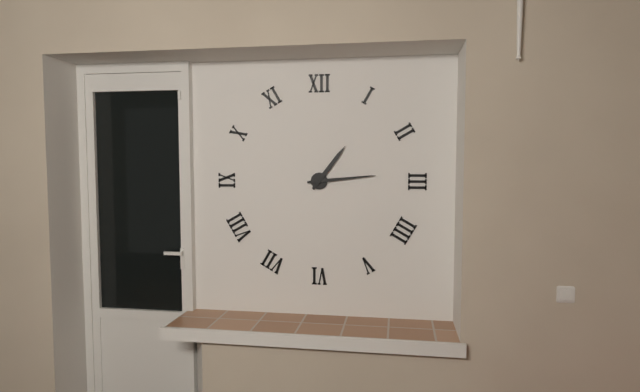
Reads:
{"hour": 1, "minute": 14}
